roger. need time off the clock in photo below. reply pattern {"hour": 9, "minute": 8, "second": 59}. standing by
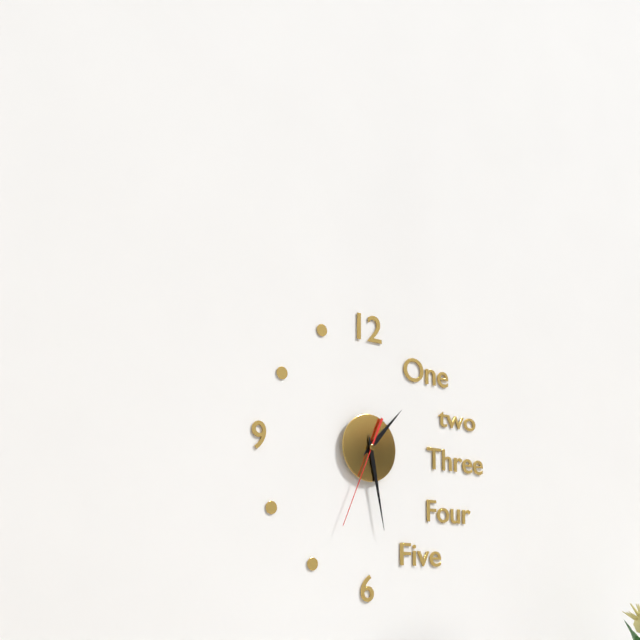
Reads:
{"hour": 1, "minute": 28, "second": 34}
